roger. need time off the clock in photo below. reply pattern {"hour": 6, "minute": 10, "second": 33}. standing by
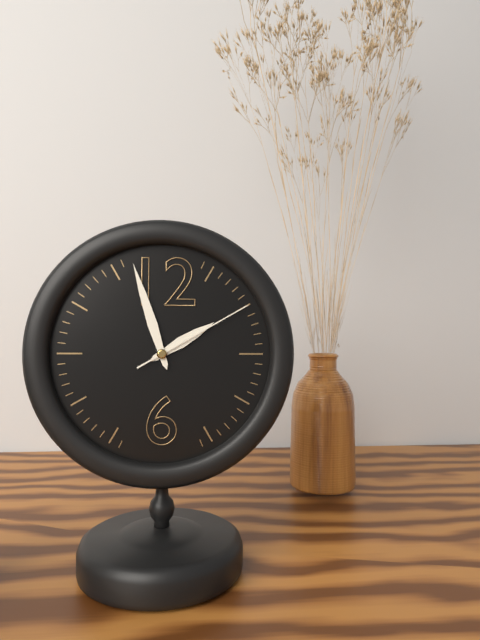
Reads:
{"hour": 1, "minute": 57, "second": 10}
